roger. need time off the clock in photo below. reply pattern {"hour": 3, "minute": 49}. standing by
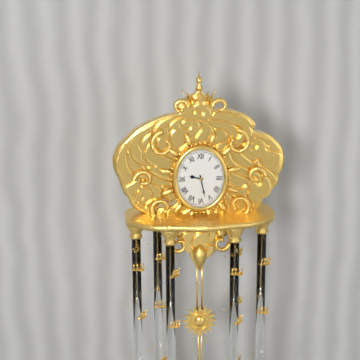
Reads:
{"hour": 9, "minute": 28}
